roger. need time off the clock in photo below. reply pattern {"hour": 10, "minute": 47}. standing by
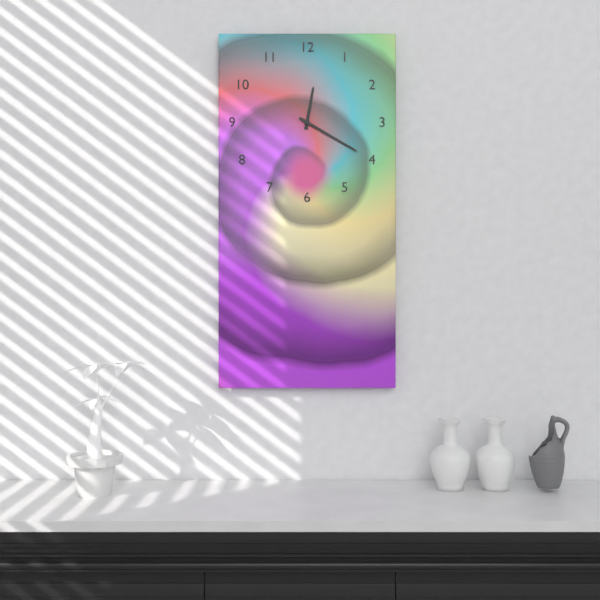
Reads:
{"hour": 12, "minute": 20}
